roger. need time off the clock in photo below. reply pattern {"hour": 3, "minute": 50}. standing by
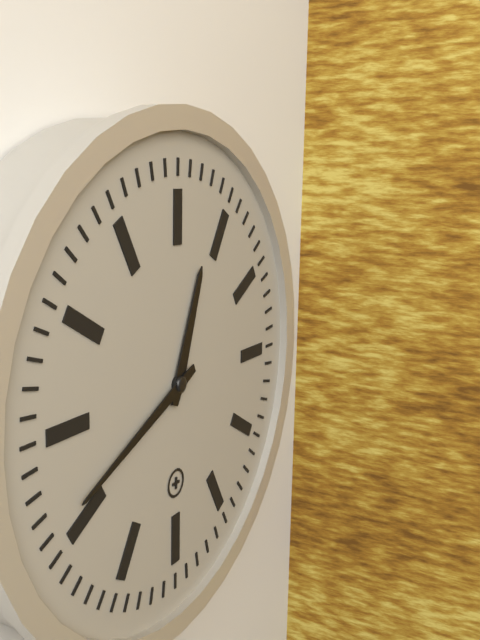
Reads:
{"hour": 12, "minute": 41}
